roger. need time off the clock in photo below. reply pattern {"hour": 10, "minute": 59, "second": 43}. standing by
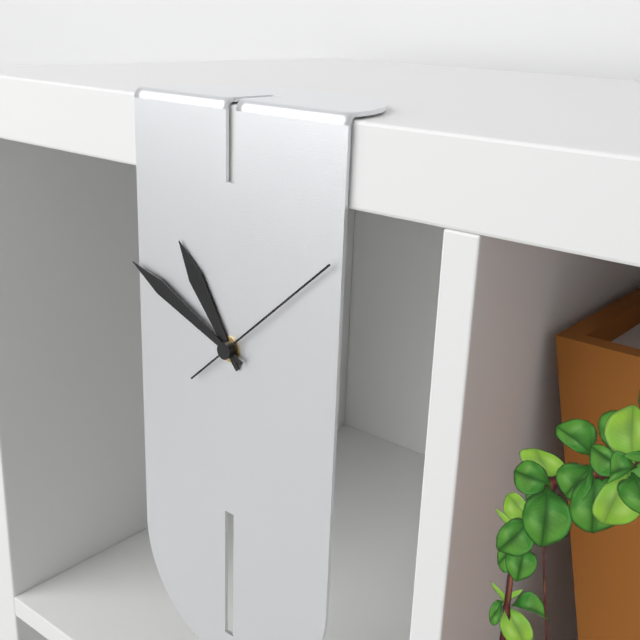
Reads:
{"hour": 10, "minute": 49, "second": 8}
